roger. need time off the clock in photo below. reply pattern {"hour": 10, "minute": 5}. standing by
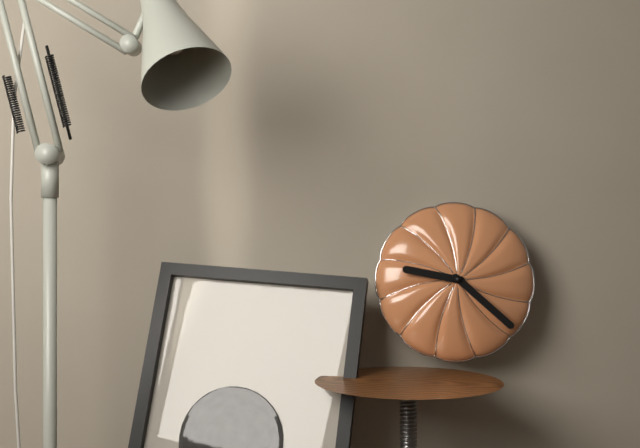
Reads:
{"hour": 9, "minute": 22}
